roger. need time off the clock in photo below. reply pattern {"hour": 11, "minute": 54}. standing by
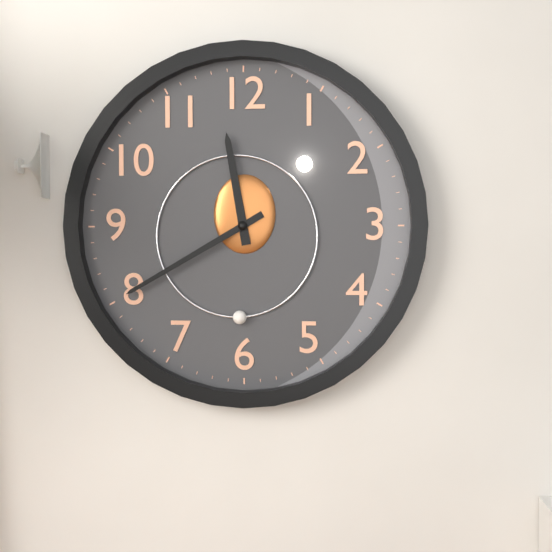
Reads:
{"hour": 11, "minute": 40}
